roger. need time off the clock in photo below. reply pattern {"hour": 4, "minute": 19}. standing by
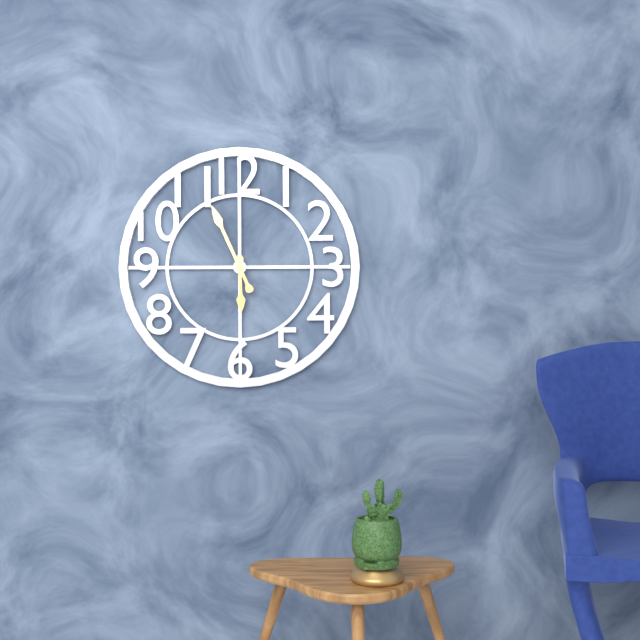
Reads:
{"hour": 5, "minute": 56}
